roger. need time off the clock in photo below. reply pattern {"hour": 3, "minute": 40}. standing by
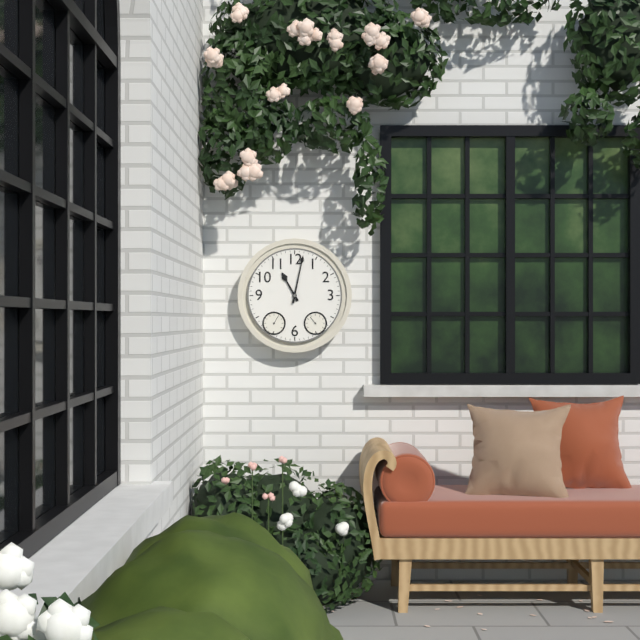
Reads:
{"hour": 11, "minute": 2}
